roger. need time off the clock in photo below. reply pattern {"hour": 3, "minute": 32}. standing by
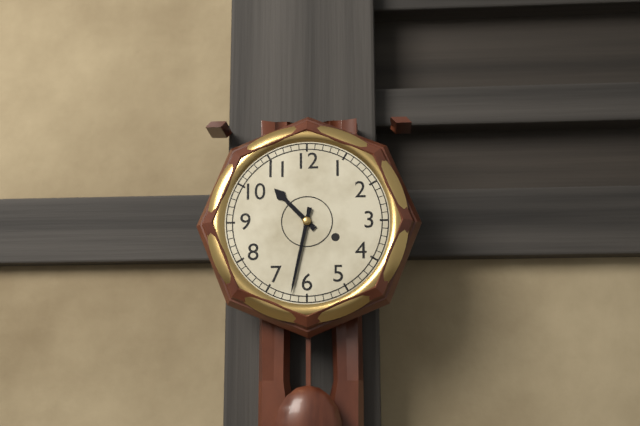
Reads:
{"hour": 10, "minute": 32}
